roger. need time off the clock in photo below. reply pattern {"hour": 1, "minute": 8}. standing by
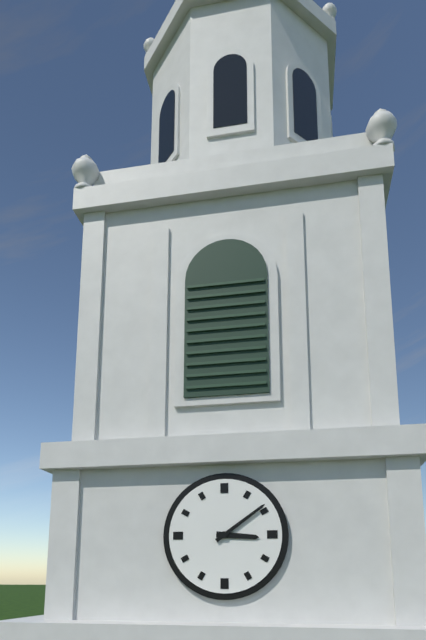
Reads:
{"hour": 3, "minute": 9}
